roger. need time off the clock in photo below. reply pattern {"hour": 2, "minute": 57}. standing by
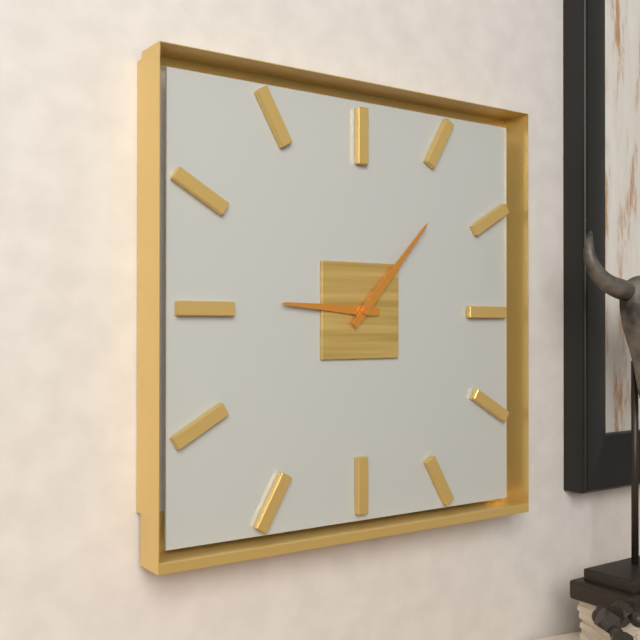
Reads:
{"hour": 9, "minute": 7}
